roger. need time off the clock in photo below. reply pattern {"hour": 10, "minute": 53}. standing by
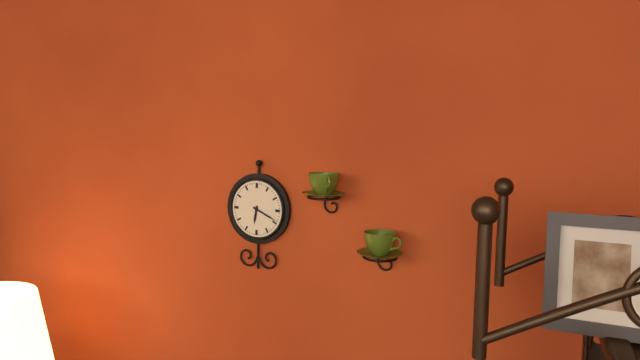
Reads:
{"hour": 6, "minute": 19}
